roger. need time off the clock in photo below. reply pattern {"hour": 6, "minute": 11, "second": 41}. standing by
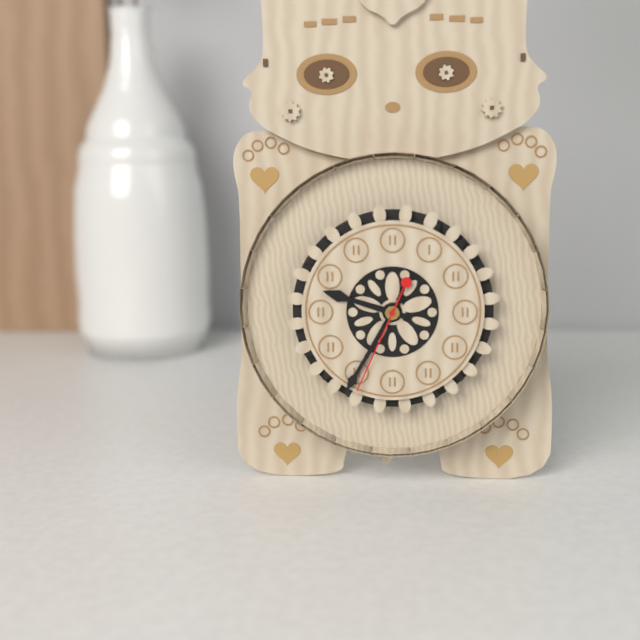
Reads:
{"hour": 9, "minute": 35, "second": 34}
